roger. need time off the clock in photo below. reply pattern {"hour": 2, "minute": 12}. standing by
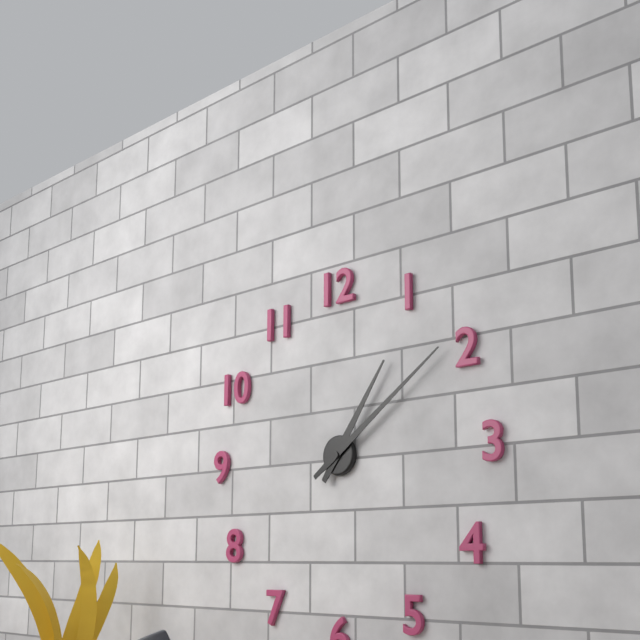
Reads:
{"hour": 1, "minute": 9}
